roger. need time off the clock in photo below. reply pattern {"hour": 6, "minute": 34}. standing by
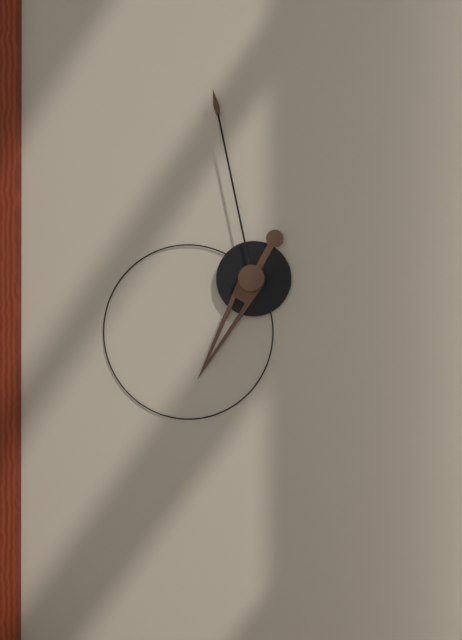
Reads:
{"hour": 6, "minute": 58}
